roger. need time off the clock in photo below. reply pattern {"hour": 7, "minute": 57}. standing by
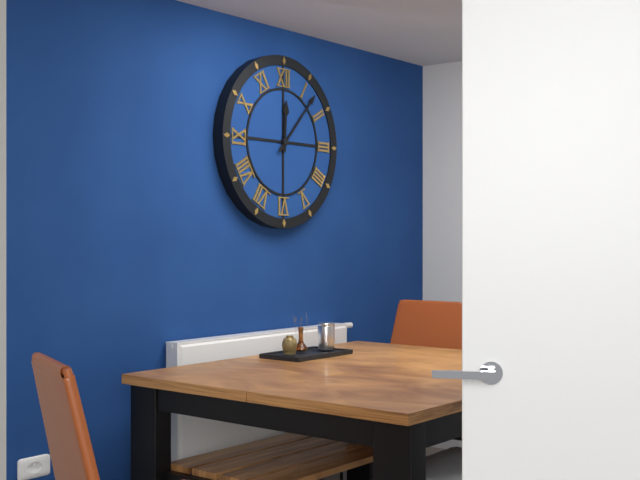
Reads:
{"hour": 12, "minute": 7}
